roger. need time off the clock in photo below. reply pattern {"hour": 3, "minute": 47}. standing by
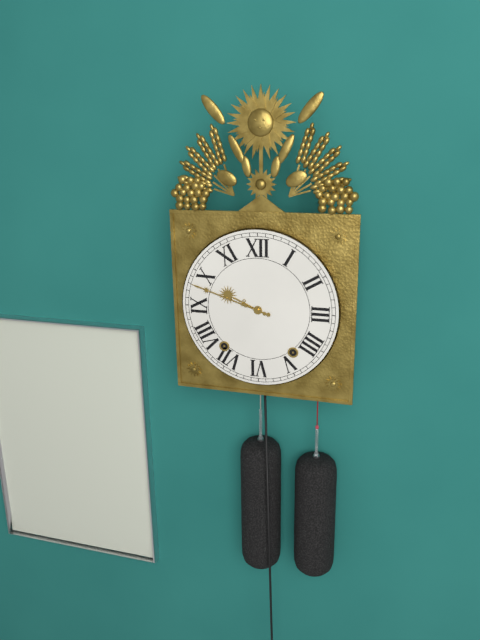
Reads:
{"hour": 9, "minute": 48}
